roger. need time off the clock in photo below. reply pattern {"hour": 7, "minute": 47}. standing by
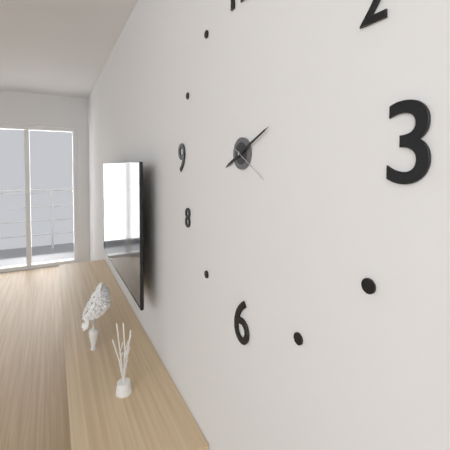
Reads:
{"hour": 8, "minute": 11}
